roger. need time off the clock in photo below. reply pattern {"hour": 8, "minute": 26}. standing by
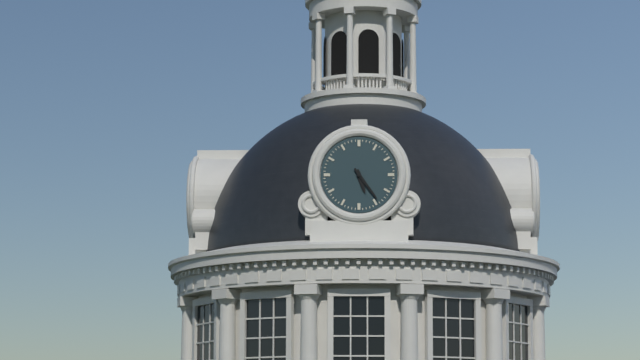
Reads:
{"hour": 5, "minute": 24}
